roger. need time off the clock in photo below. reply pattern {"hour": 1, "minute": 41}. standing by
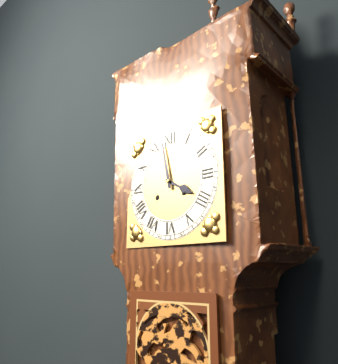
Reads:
{"hour": 3, "minute": 58}
